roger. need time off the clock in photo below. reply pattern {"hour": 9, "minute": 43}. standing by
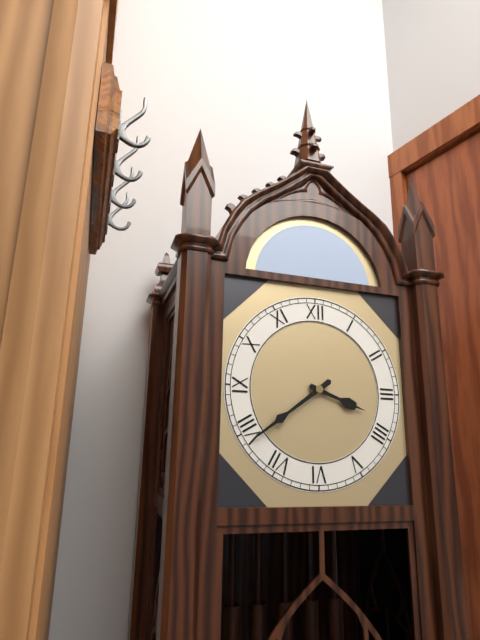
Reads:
{"hour": 3, "minute": 39}
